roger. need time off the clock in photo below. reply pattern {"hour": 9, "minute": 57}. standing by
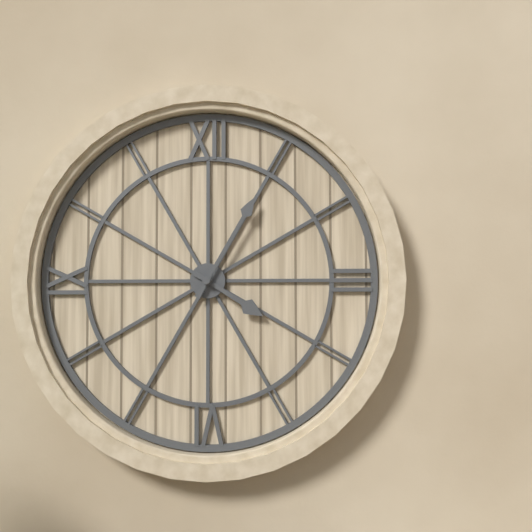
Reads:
{"hour": 4, "minute": 5}
